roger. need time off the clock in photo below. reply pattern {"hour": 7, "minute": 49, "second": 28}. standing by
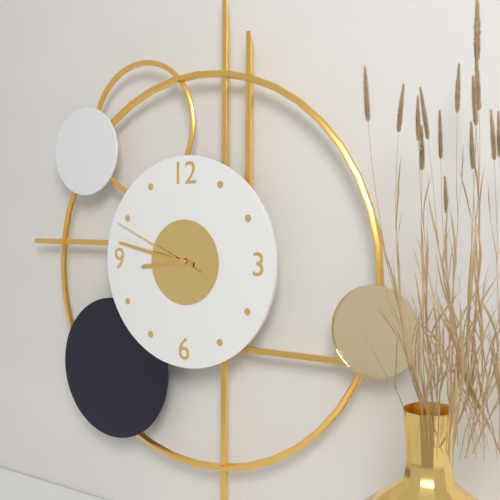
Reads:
{"hour": 8, "minute": 47, "second": 49}
